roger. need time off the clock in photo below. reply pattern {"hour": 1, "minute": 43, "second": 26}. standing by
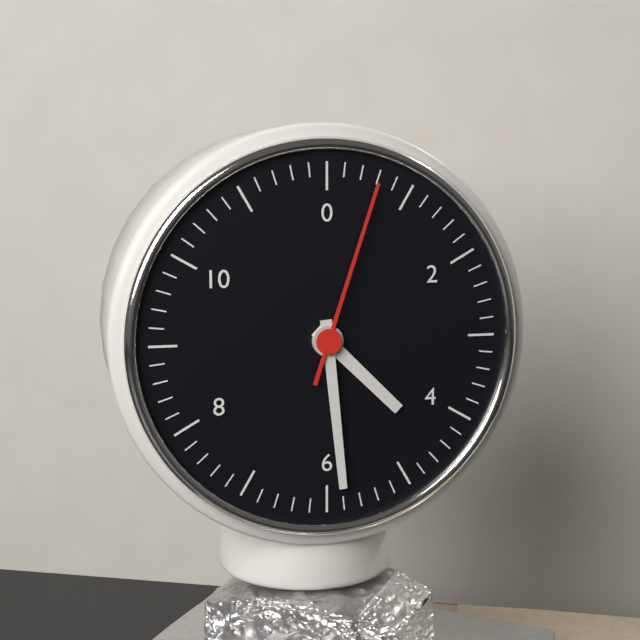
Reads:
{"hour": 4, "minute": 29, "second": 3}
